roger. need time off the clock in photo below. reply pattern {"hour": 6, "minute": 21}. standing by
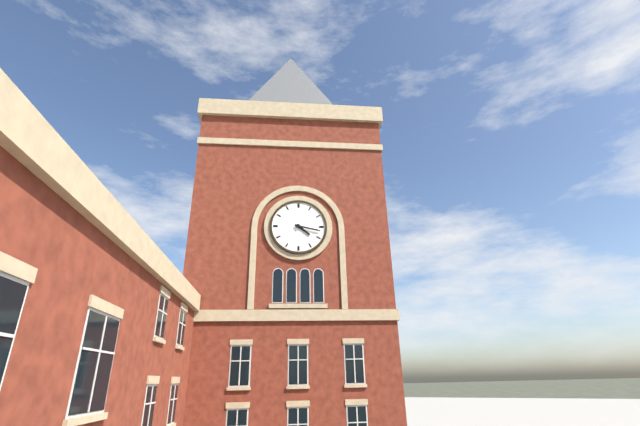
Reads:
{"hour": 4, "minute": 17}
